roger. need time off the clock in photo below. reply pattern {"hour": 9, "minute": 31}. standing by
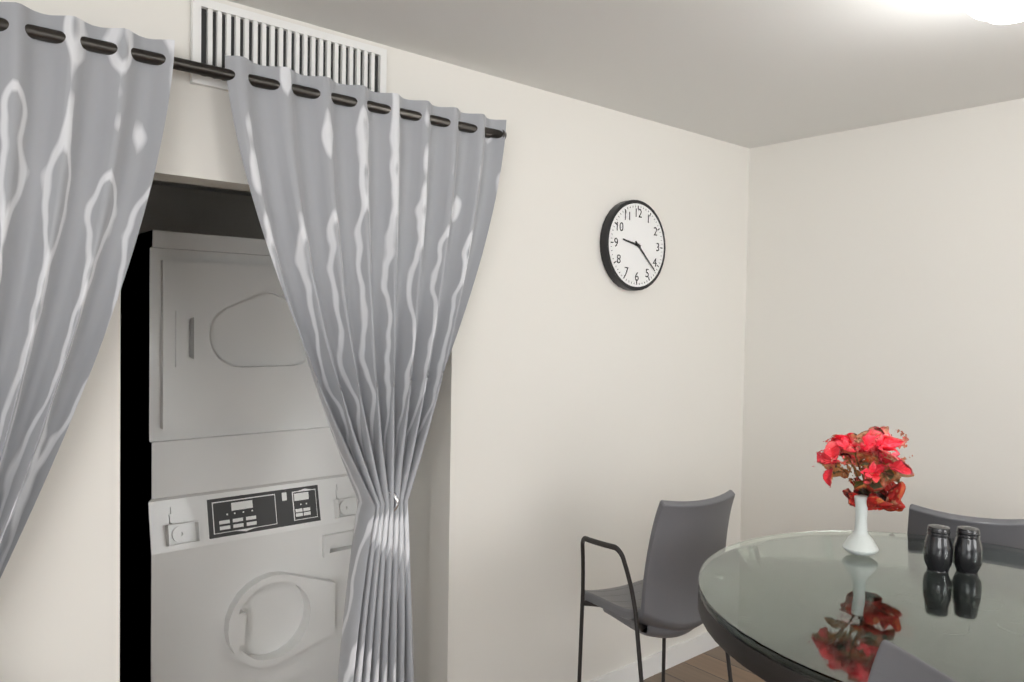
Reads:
{"hour": 9, "minute": 22}
